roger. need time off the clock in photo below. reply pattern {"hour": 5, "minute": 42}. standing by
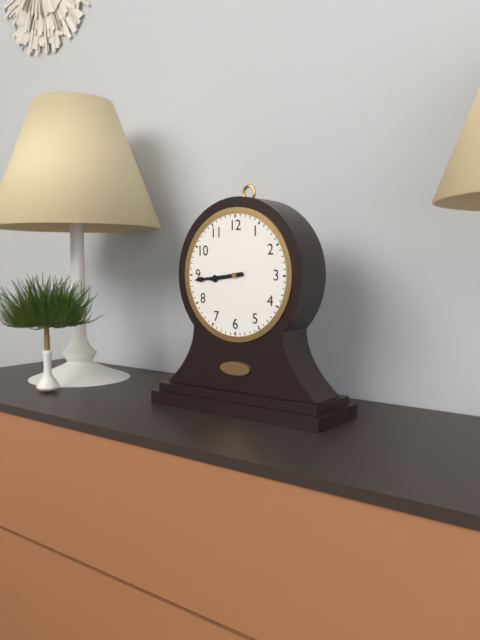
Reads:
{"hour": 8, "minute": 44}
